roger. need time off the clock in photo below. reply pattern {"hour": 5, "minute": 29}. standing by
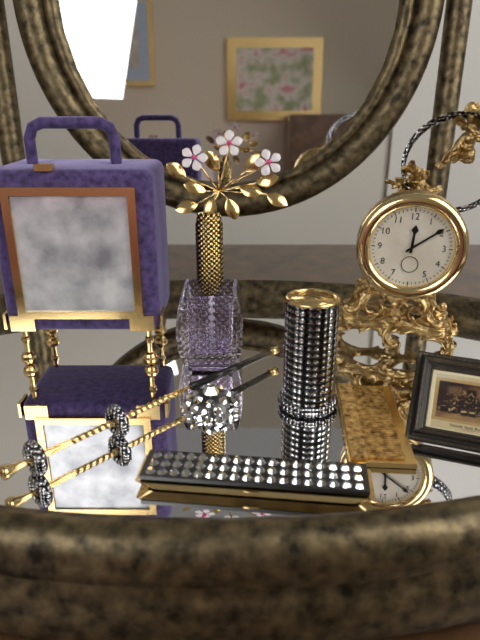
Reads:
{"hour": 12, "minute": 9}
